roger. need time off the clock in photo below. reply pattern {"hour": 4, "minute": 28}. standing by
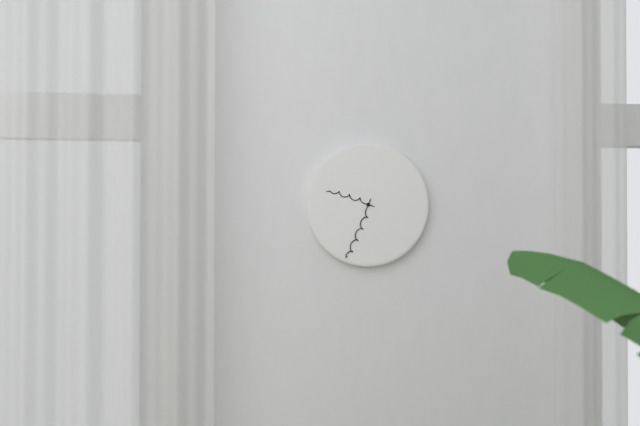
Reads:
{"hour": 9, "minute": 34}
